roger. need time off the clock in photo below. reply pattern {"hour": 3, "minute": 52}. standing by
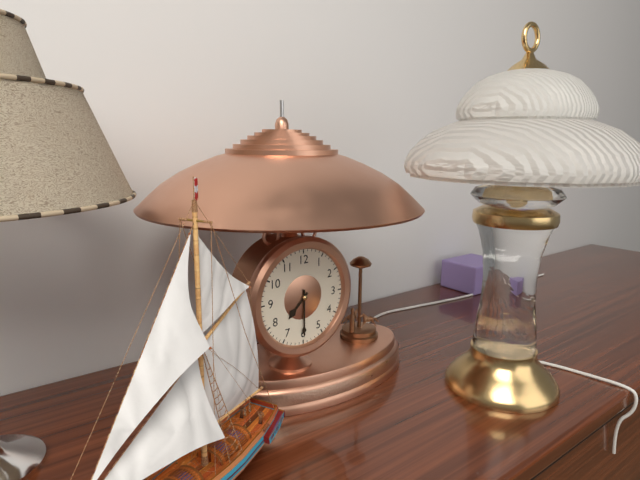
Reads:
{"hour": 7, "minute": 30}
